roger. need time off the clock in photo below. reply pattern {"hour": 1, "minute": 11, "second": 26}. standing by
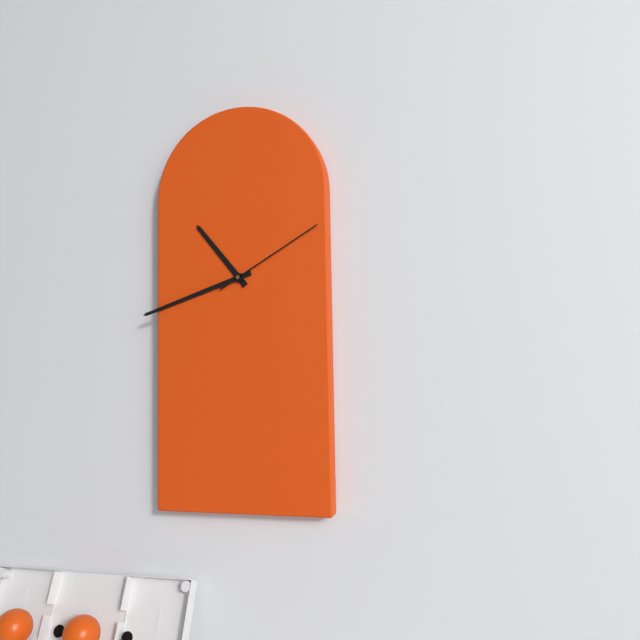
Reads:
{"hour": 10, "minute": 42, "second": 10}
